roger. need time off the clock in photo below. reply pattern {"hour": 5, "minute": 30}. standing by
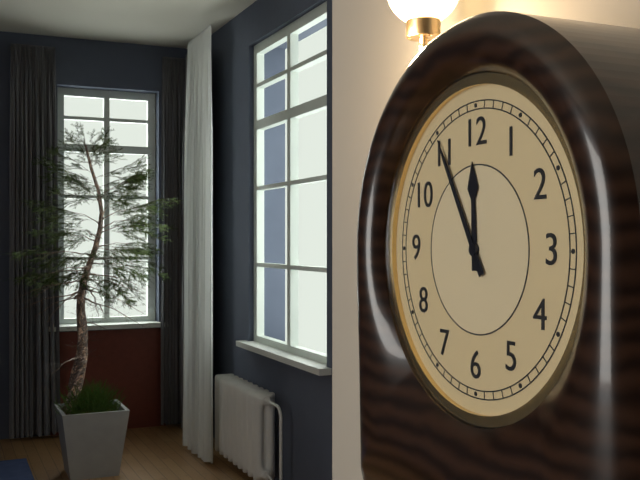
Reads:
{"hour": 11, "minute": 55}
